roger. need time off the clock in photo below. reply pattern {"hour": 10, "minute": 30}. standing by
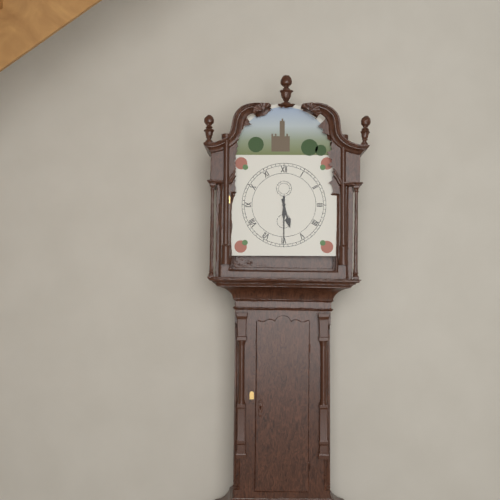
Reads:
{"hour": 5, "minute": 30}
